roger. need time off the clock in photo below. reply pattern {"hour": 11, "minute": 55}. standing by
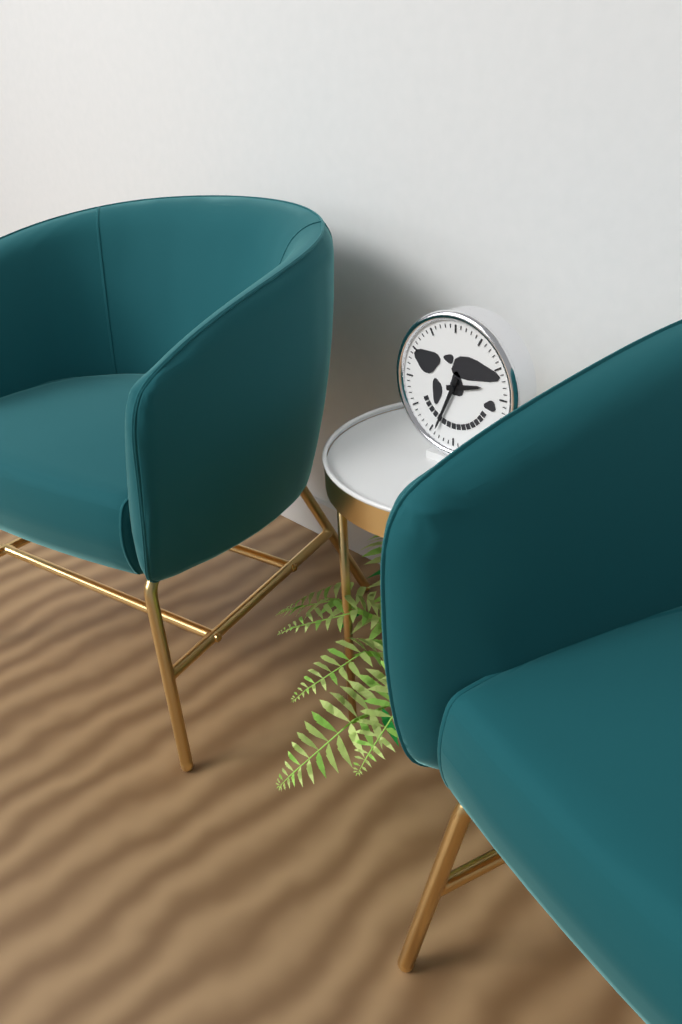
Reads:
{"hour": 2, "minute": 34}
